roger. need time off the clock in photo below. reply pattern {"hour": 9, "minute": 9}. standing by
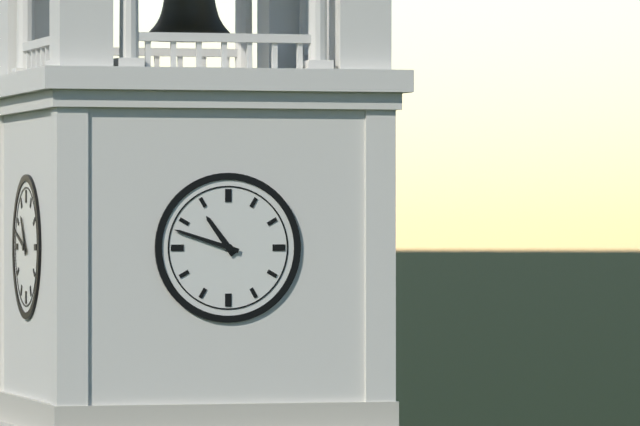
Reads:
{"hour": 10, "minute": 48}
